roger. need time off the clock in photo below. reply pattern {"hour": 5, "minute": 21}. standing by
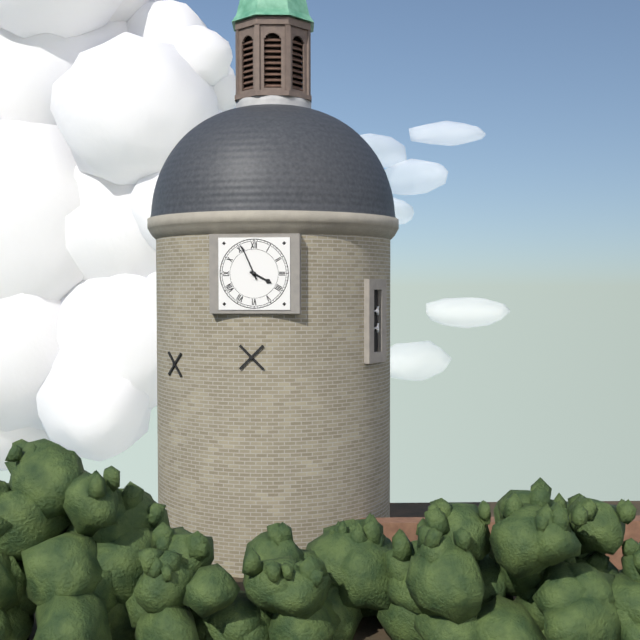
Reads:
{"hour": 3, "minute": 56}
